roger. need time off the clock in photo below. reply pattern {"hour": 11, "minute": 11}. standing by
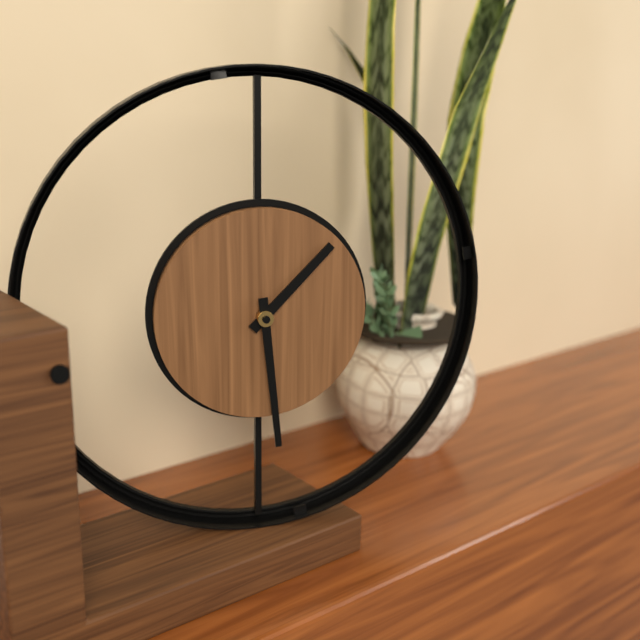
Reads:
{"hour": 1, "minute": 29}
